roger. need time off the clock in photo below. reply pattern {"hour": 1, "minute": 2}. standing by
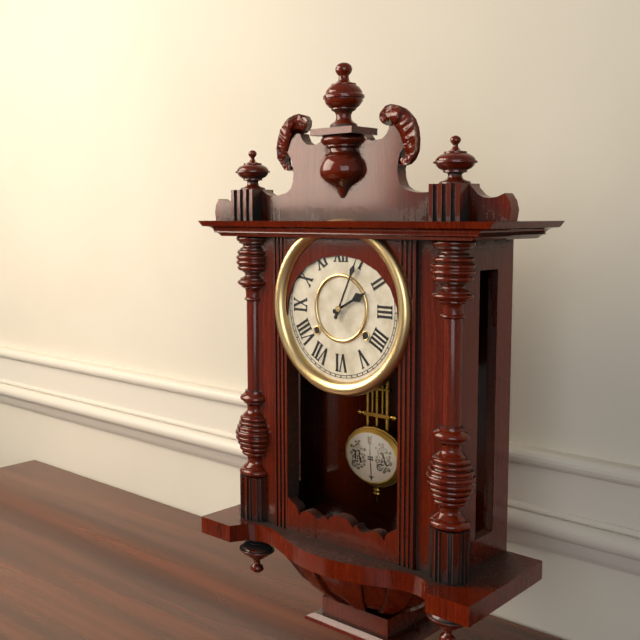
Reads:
{"hour": 2, "minute": 4}
